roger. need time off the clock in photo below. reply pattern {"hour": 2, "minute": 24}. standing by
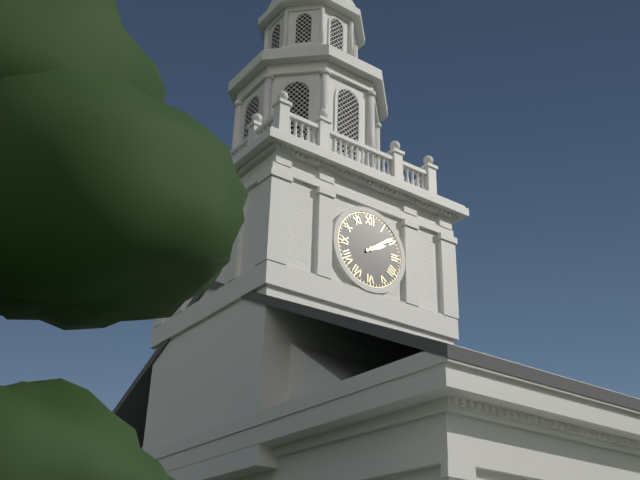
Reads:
{"hour": 2, "minute": 9}
